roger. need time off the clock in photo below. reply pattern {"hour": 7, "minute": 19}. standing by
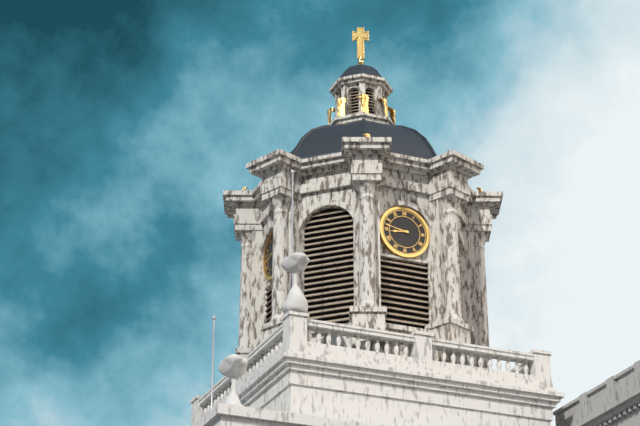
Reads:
{"hour": 8, "minute": 47}
